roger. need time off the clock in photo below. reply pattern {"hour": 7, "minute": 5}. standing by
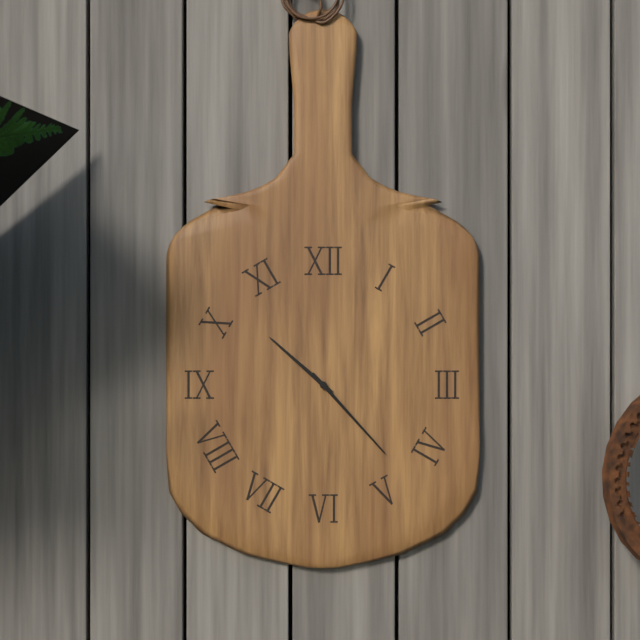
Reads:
{"hour": 10, "minute": 23}
